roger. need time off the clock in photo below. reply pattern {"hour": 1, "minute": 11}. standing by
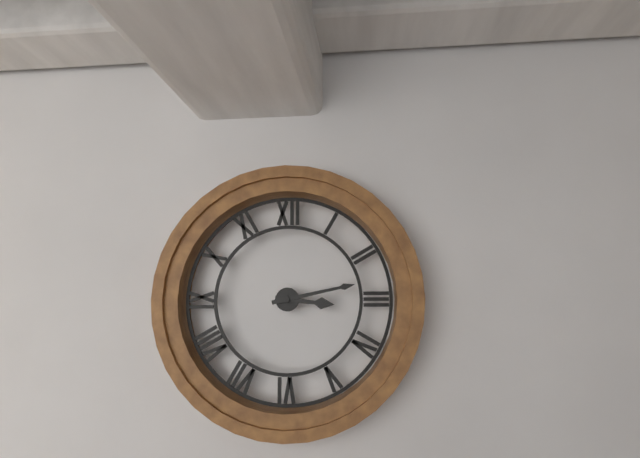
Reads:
{"hour": 3, "minute": 13}
